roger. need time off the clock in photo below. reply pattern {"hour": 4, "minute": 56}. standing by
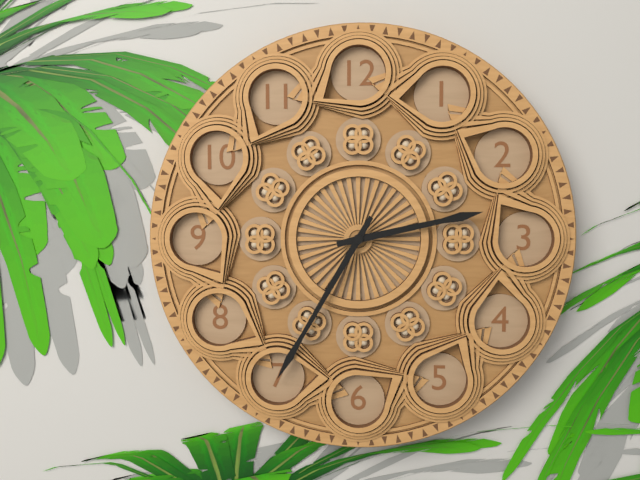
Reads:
{"hour": 2, "minute": 35}
